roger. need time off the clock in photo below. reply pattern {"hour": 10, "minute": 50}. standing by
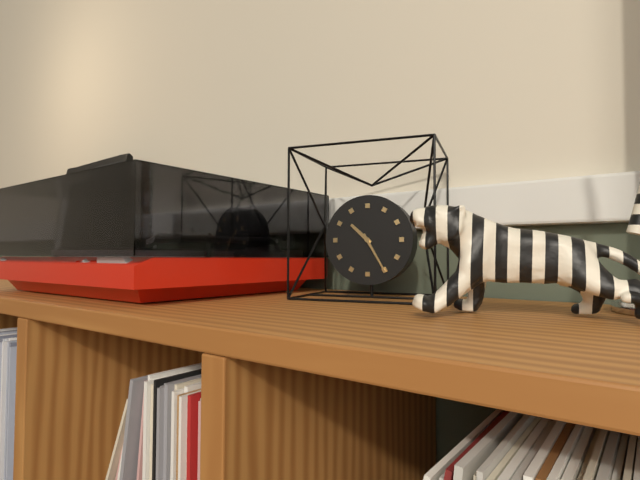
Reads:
{"hour": 10, "minute": 25}
